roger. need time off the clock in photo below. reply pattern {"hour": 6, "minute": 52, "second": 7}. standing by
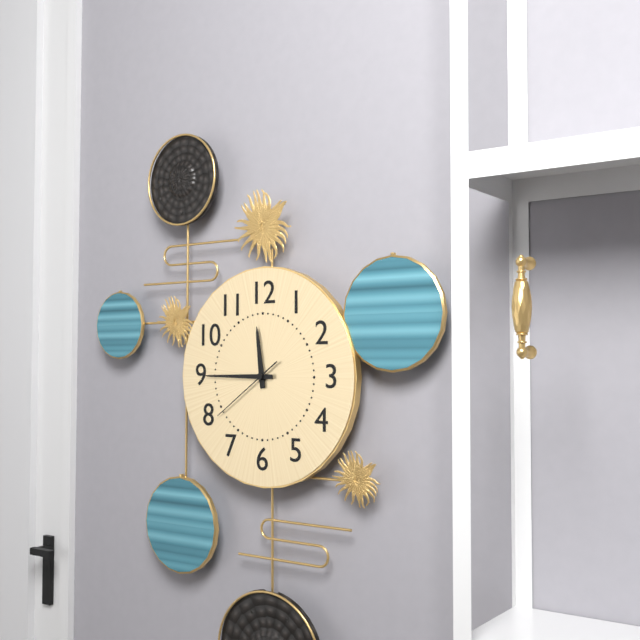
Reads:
{"hour": 11, "minute": 45, "second": 39}
